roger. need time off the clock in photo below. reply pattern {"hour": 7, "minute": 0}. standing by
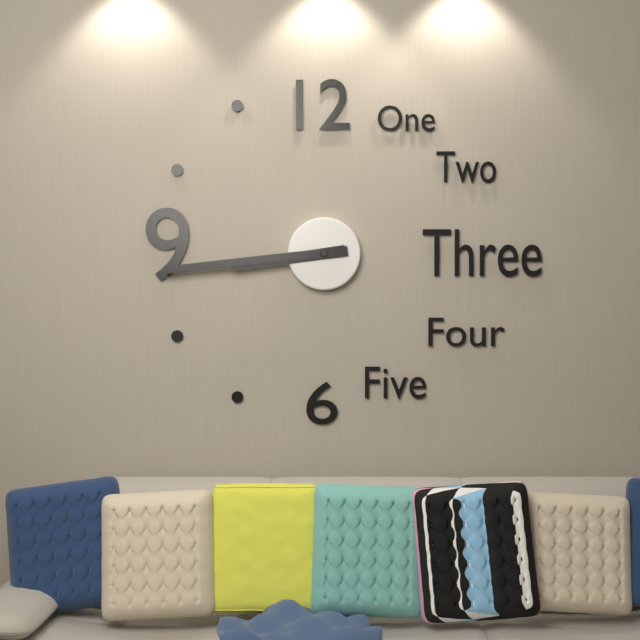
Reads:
{"hour": 8, "minute": 44}
